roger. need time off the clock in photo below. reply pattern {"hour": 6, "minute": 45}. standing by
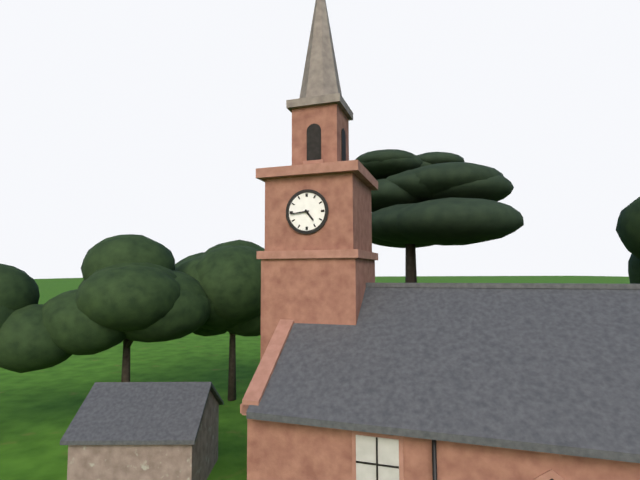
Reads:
{"hour": 4, "minute": 44}
